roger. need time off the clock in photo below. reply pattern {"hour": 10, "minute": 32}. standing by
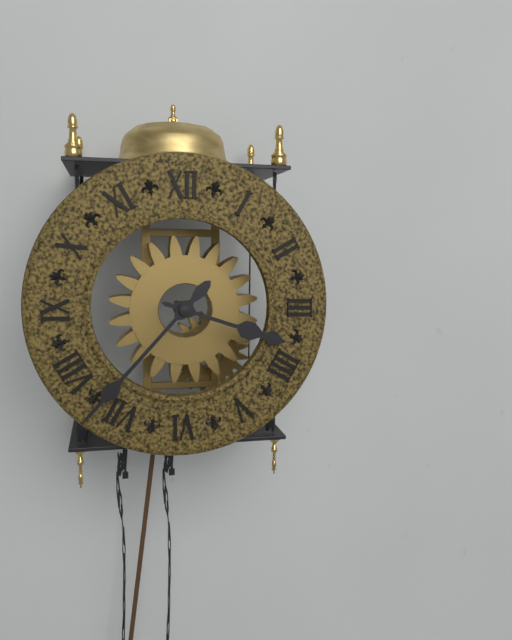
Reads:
{"hour": 3, "minute": 37}
